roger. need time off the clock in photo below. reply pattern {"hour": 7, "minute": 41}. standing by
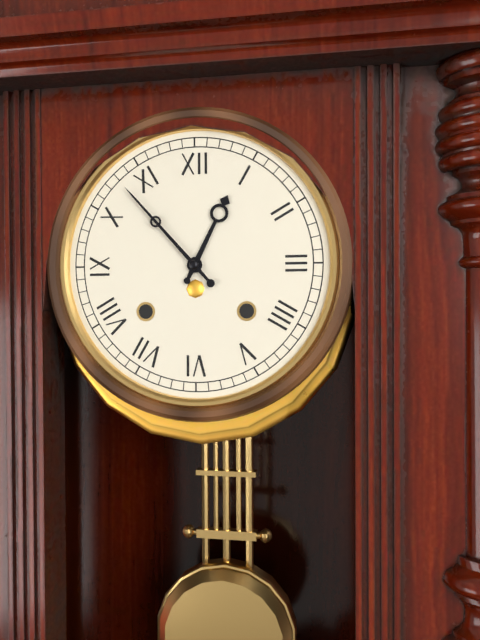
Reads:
{"hour": 12, "minute": 53}
